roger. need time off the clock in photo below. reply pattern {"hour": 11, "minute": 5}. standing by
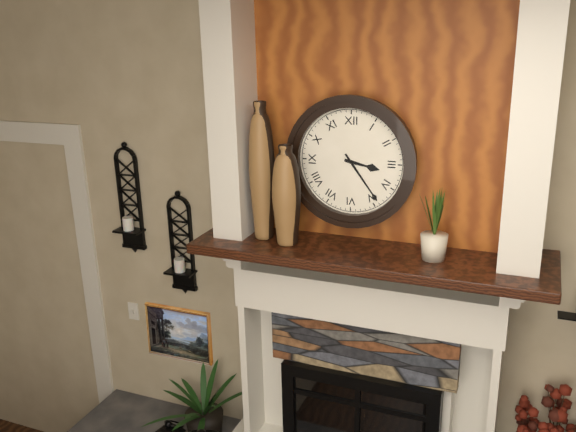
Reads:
{"hour": 3, "minute": 24}
